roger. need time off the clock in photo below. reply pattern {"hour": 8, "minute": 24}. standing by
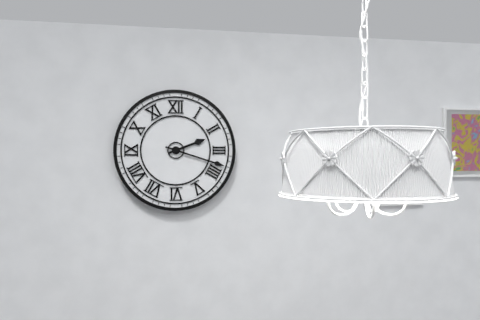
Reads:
{"hour": 2, "minute": 18}
